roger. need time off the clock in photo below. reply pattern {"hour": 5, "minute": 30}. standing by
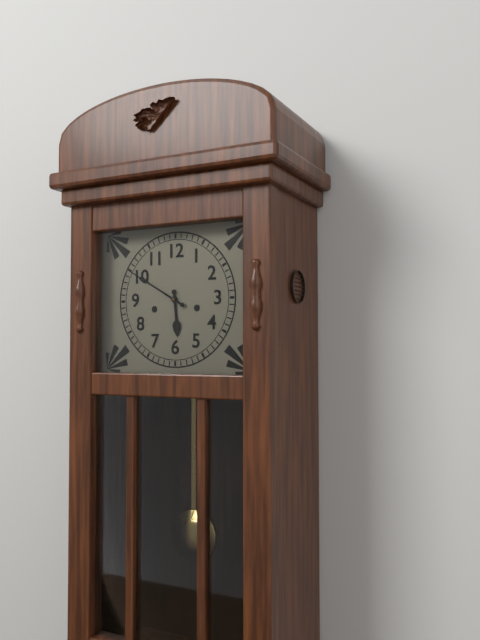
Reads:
{"hour": 5, "minute": 50}
